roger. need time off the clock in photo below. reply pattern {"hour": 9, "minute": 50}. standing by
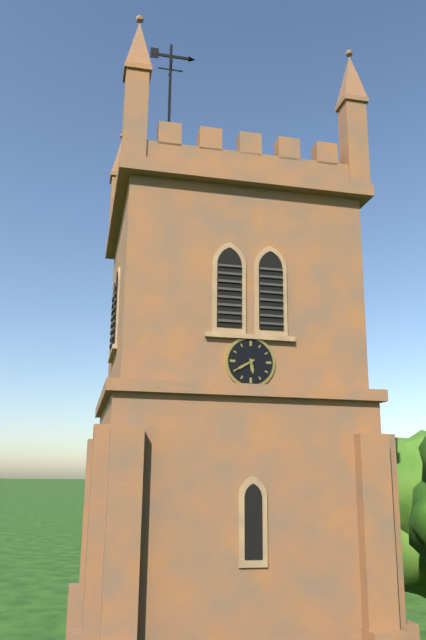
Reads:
{"hour": 5, "minute": 40}
